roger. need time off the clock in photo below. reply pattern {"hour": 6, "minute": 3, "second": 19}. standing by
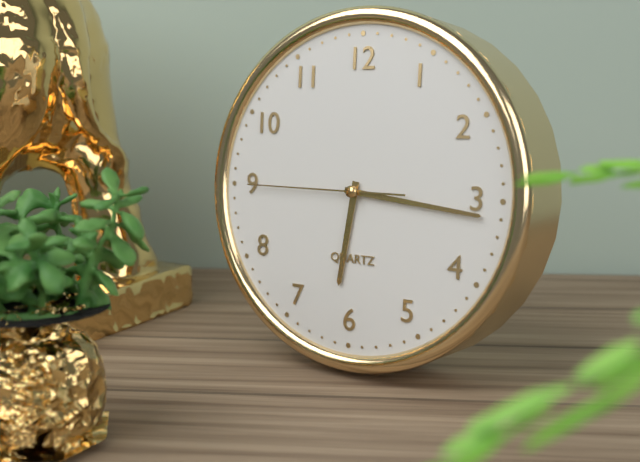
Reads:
{"hour": 6, "minute": 16, "second": 45}
